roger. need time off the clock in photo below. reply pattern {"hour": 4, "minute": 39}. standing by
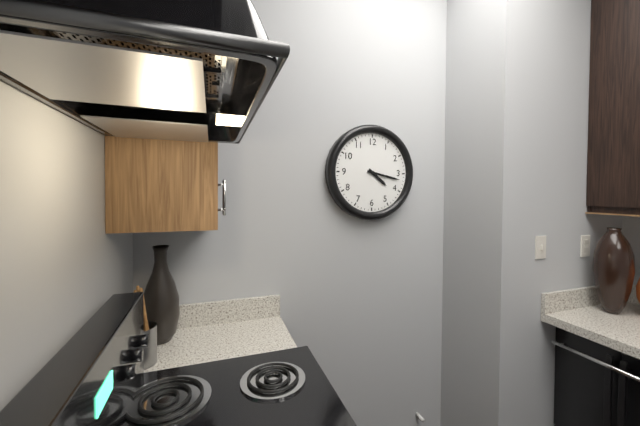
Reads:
{"hour": 4, "minute": 17}
